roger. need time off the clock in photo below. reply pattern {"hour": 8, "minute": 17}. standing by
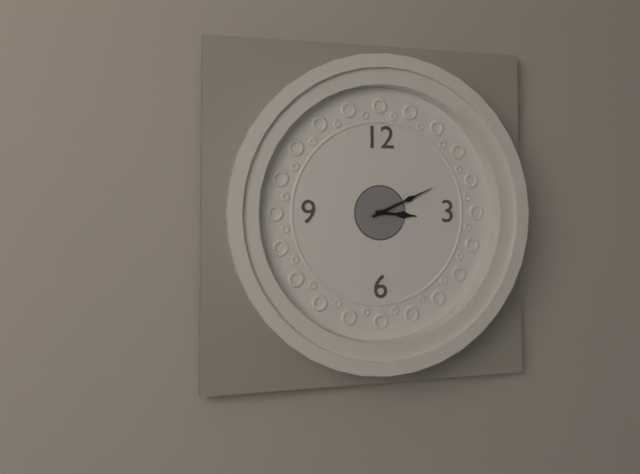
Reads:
{"hour": 3, "minute": 11}
